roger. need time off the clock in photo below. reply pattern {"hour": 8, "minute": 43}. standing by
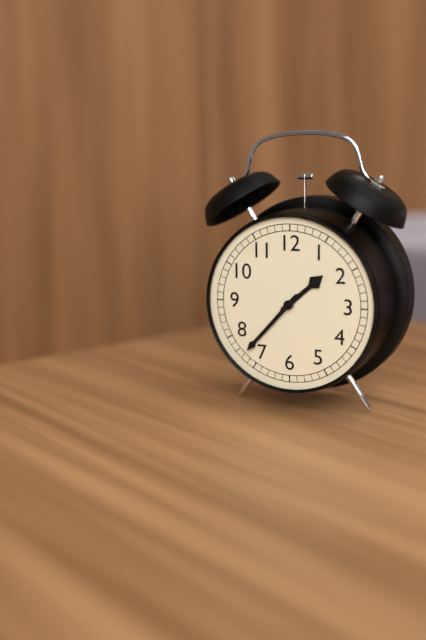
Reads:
{"hour": 1, "minute": 37}
